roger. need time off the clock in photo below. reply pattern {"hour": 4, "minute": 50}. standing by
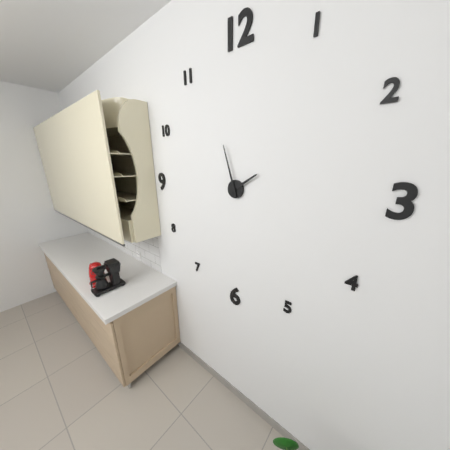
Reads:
{"hour": 1, "minute": 57}
